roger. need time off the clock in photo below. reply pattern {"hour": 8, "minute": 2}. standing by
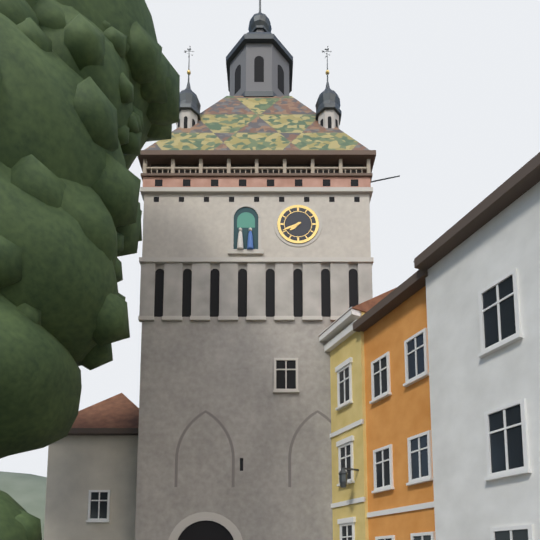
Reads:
{"hour": 7, "minute": 41}
